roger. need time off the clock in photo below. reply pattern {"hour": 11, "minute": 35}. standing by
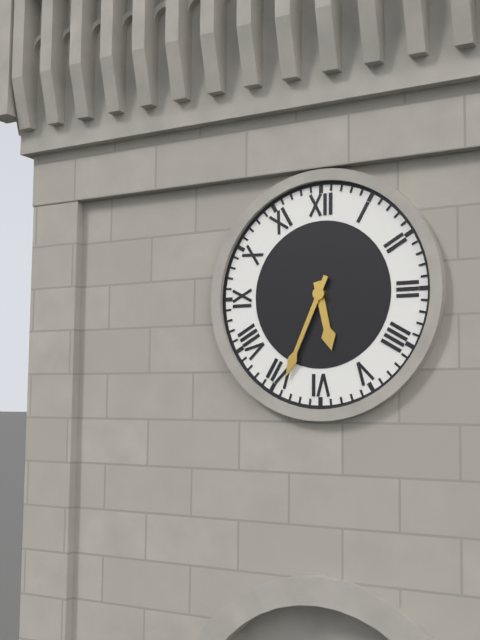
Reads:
{"hour": 5, "minute": 34}
